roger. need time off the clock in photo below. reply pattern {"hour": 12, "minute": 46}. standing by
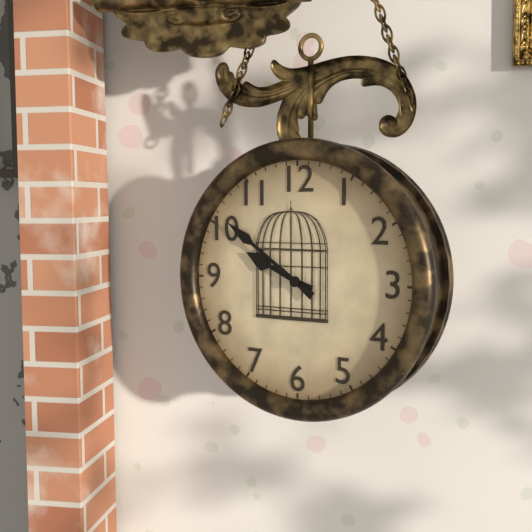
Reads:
{"hour": 9, "minute": 51}
